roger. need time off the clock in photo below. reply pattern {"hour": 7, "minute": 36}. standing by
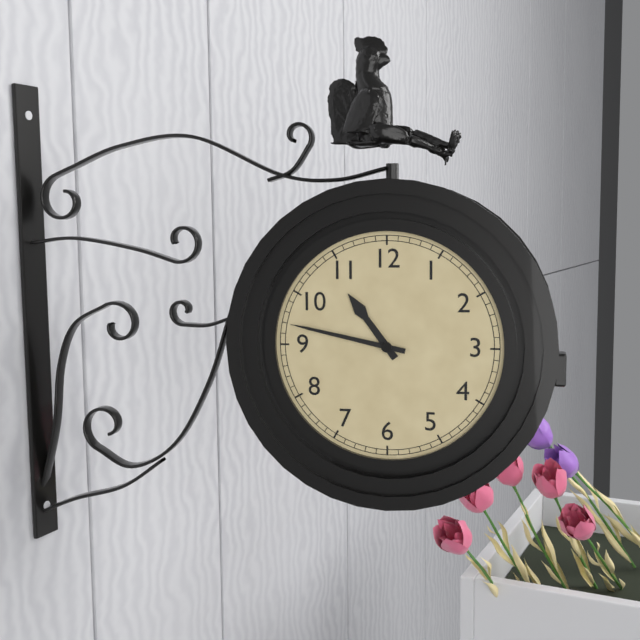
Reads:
{"hour": 10, "minute": 47}
